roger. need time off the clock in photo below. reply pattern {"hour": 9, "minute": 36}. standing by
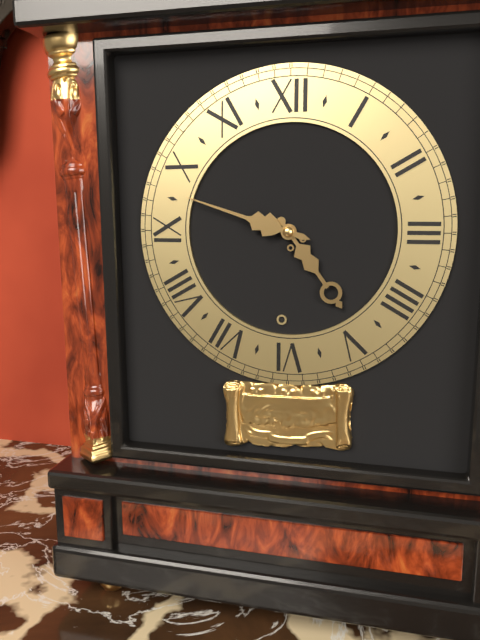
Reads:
{"hour": 4, "minute": 48}
